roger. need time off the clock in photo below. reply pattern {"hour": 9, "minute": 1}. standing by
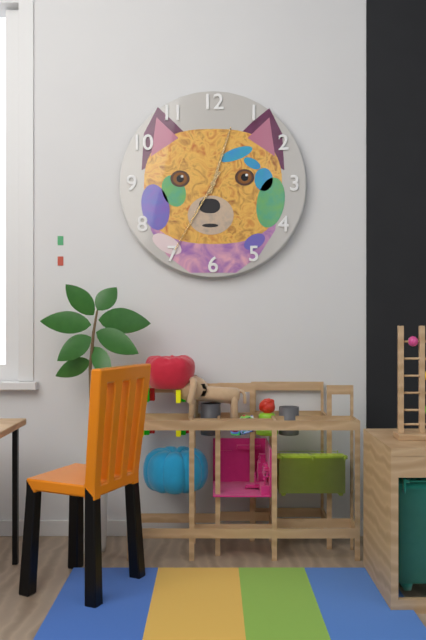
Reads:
{"hour": 12, "minute": 35}
